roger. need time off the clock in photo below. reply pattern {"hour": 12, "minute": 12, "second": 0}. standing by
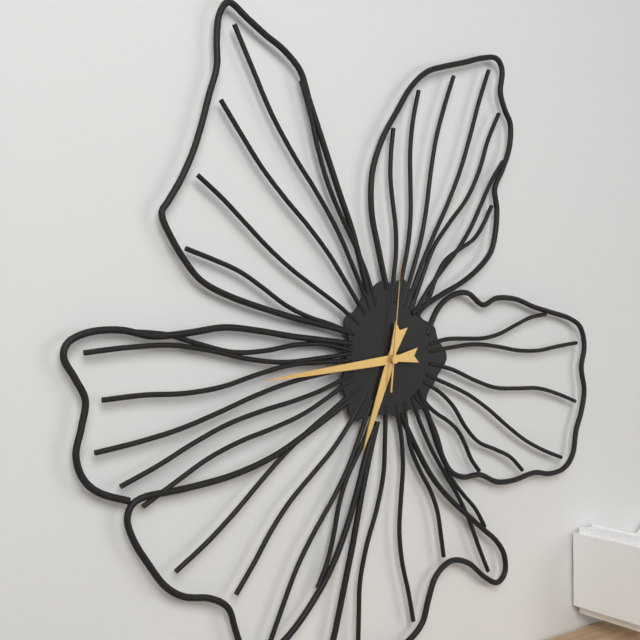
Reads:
{"hour": 6, "minute": 44, "second": 1}
